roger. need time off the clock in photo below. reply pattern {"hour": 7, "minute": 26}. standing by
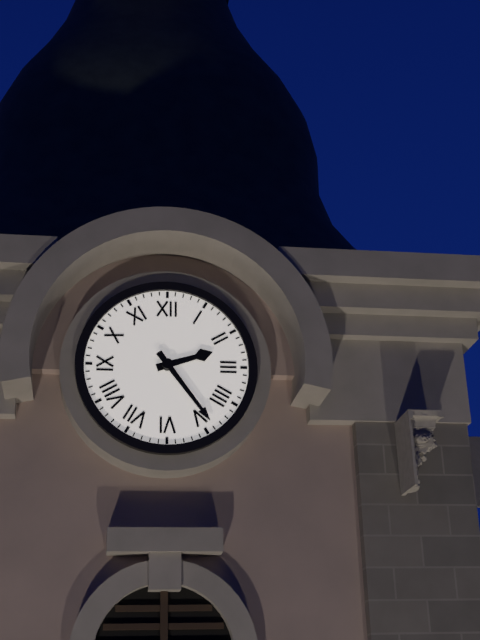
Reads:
{"hour": 2, "minute": 24}
